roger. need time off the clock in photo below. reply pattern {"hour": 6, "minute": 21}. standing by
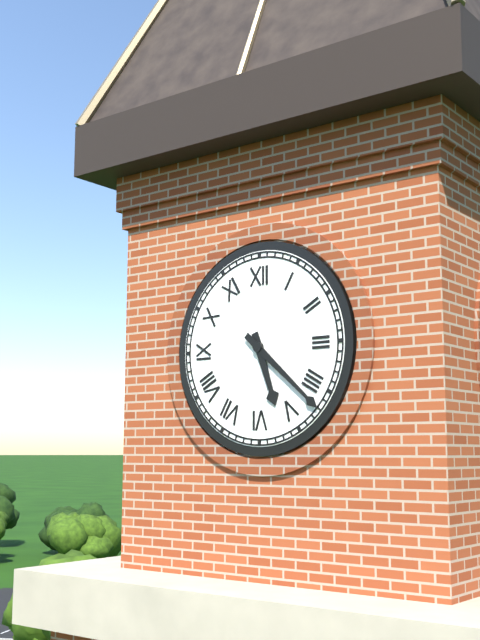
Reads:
{"hour": 5, "minute": 22}
